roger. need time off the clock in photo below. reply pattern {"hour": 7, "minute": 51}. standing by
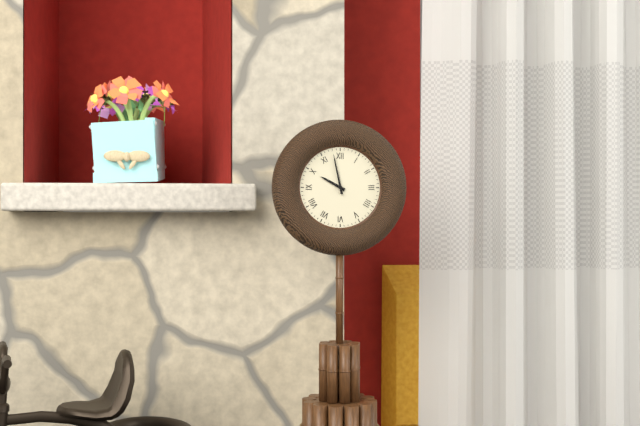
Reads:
{"hour": 9, "minute": 58}
